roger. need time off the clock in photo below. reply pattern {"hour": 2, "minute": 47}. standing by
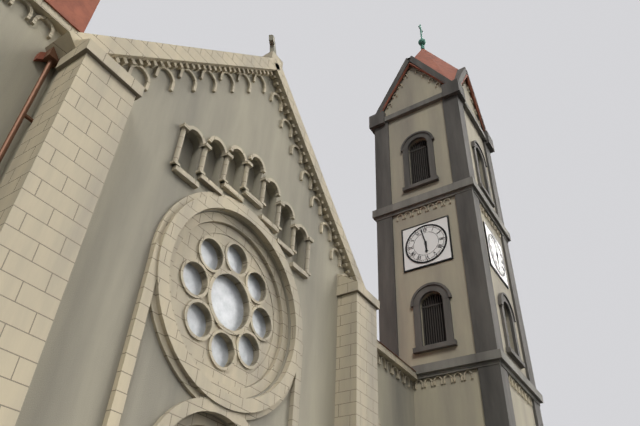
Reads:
{"hour": 5, "minute": 58}
